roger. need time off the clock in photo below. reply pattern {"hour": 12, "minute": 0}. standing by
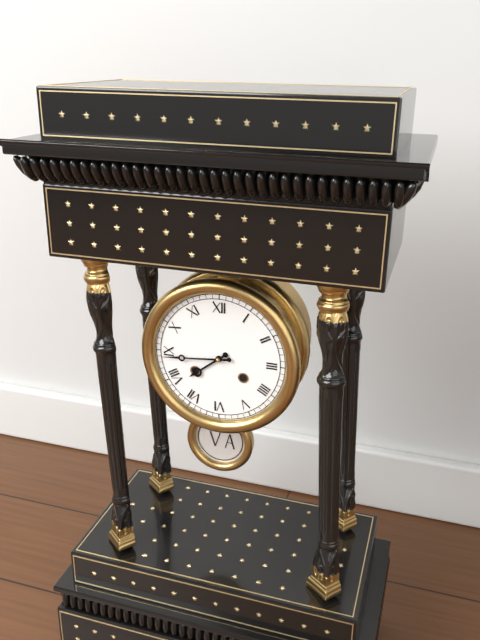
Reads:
{"hour": 7, "minute": 44}
